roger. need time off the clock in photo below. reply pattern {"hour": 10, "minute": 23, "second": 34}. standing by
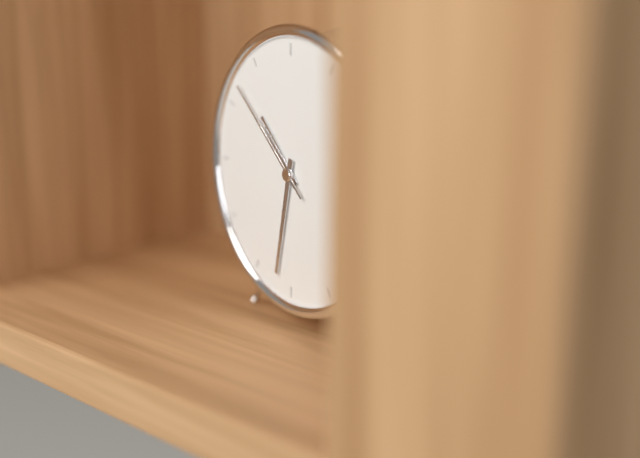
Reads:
{"hour": 10, "minute": 32, "second": 52}
